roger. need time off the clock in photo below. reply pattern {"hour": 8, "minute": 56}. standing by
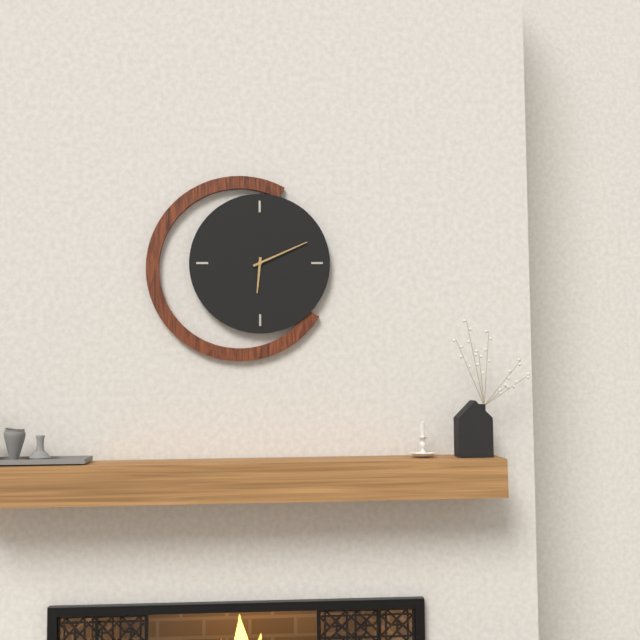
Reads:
{"hour": 6, "minute": 11}
